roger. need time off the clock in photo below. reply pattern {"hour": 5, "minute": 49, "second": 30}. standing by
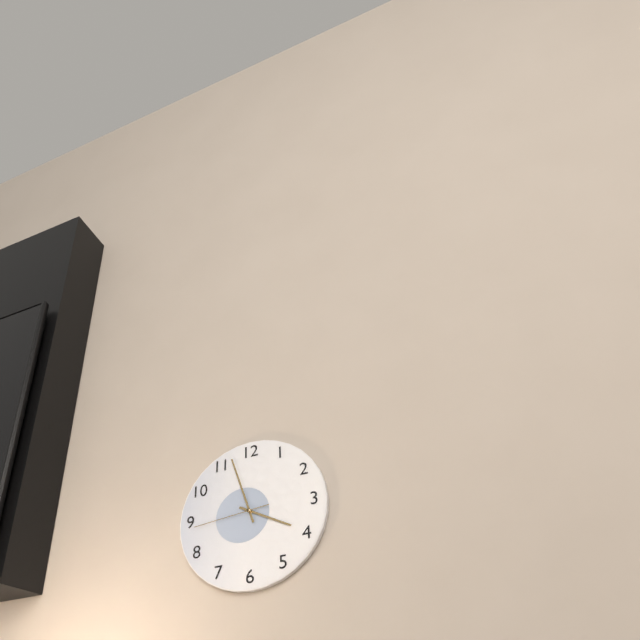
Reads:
{"hour": 3, "minute": 57, "second": 44}
